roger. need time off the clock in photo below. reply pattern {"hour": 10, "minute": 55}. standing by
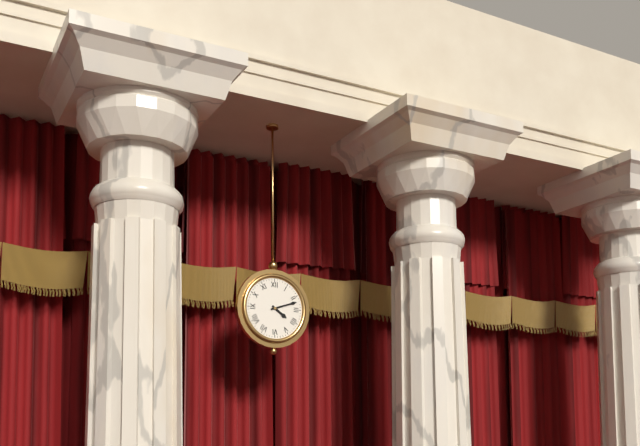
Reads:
{"hour": 4, "minute": 12}
